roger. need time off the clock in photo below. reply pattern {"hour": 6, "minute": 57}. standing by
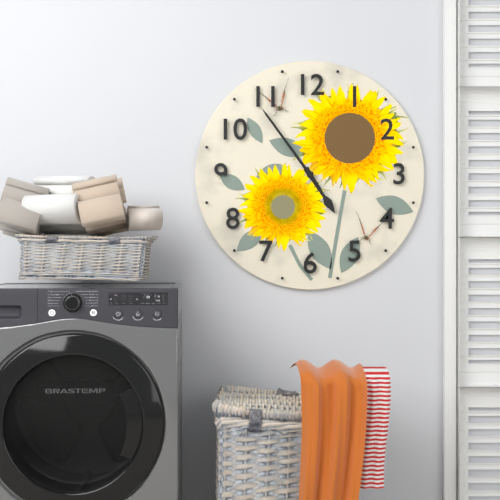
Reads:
{"hour": 4, "minute": 54}
